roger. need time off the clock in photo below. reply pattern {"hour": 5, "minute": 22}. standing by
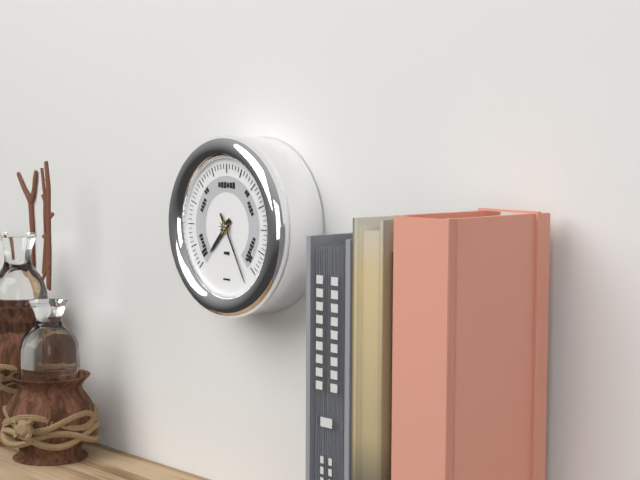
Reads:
{"hour": 7, "minute": 25}
